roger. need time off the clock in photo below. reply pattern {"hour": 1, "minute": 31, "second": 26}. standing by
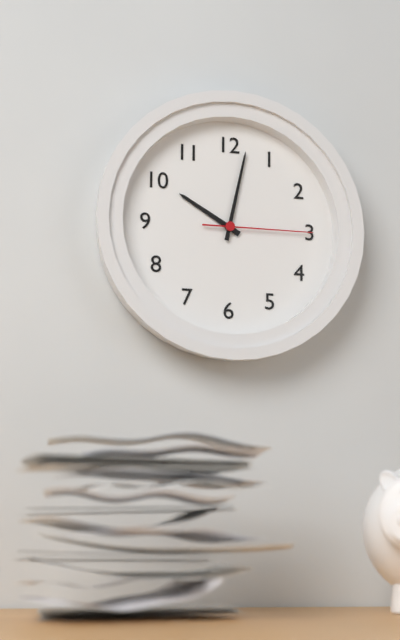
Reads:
{"hour": 10, "minute": 2, "second": 15}
